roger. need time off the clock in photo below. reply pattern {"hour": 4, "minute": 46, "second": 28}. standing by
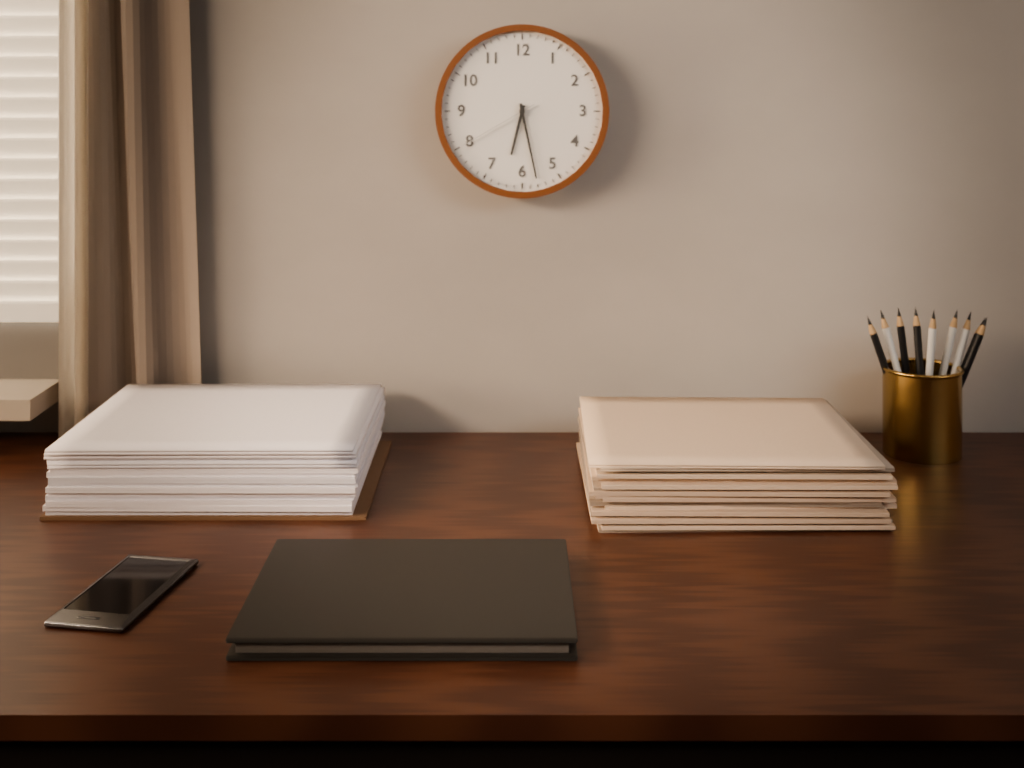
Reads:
{"hour": 6, "minute": 28, "second": 40}
